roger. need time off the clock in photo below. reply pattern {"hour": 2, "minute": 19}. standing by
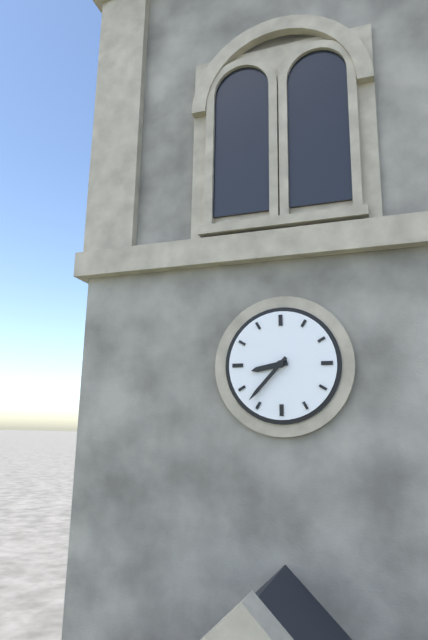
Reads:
{"hour": 8, "minute": 37}
